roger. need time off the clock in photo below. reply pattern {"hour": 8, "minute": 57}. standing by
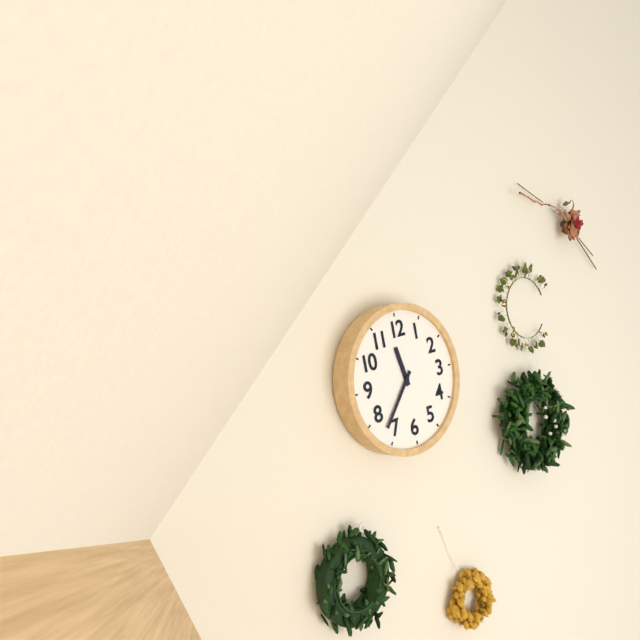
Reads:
{"hour": 11, "minute": 37}
